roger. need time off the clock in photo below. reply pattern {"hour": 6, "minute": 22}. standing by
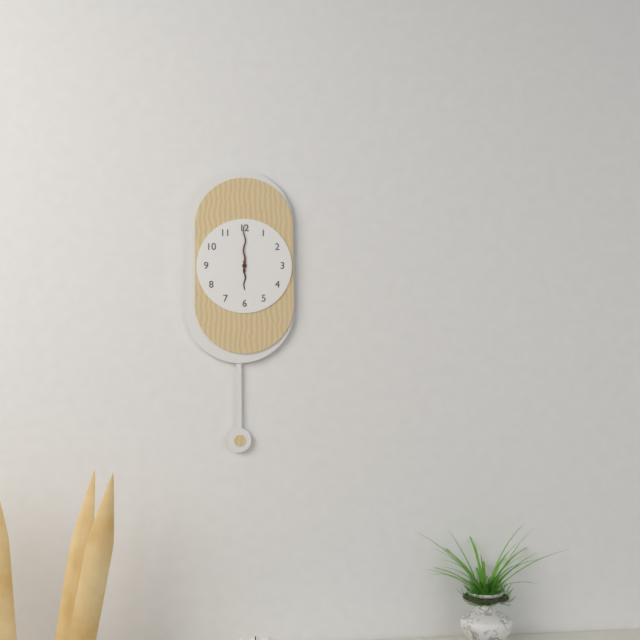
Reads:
{"hour": 6, "minute": 0}
